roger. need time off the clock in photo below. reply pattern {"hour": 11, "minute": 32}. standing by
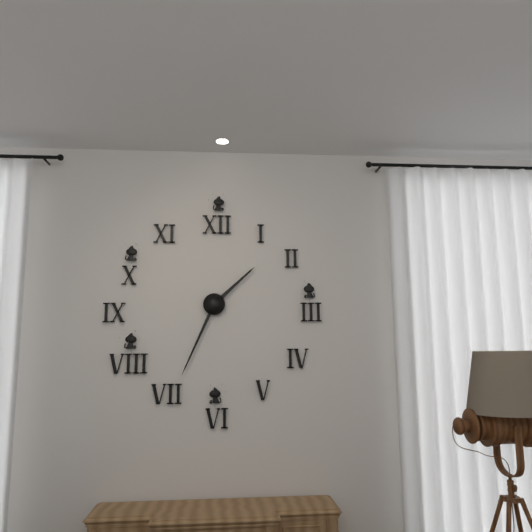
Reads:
{"hour": 1, "minute": 34}
